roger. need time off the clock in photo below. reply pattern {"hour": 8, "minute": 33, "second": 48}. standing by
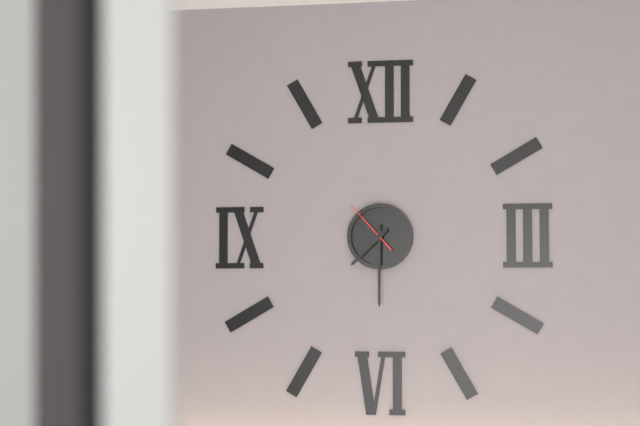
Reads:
{"hour": 7, "minute": 30, "second": 53}
